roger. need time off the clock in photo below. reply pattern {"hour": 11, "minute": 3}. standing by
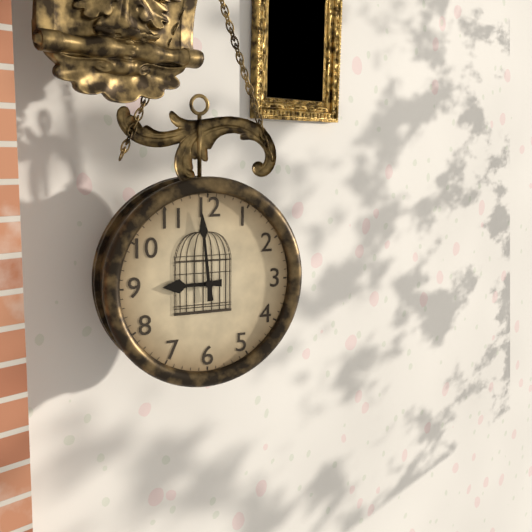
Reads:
{"hour": 8, "minute": 59}
